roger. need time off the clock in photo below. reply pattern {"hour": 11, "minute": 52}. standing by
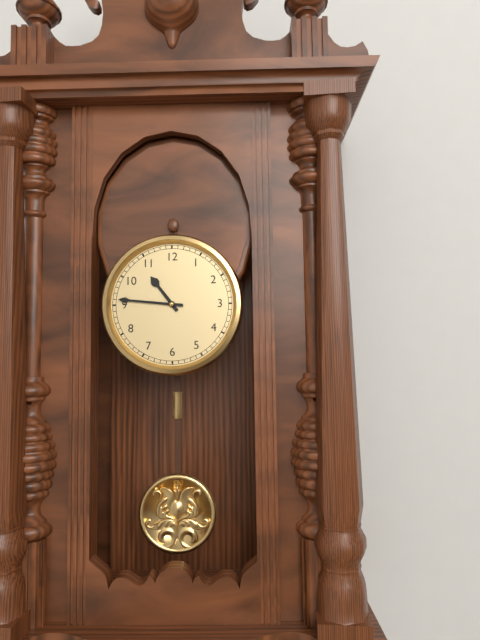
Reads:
{"hour": 10, "minute": 46}
